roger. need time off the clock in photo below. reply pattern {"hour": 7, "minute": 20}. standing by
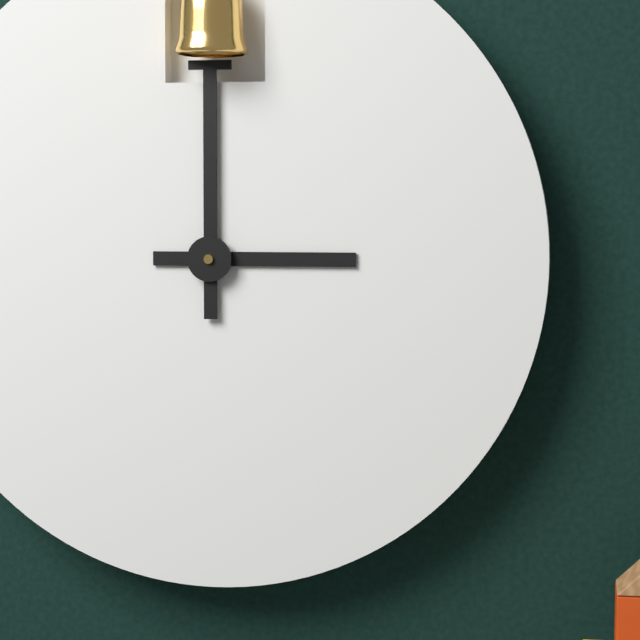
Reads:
{"hour": 3, "minute": 0}
